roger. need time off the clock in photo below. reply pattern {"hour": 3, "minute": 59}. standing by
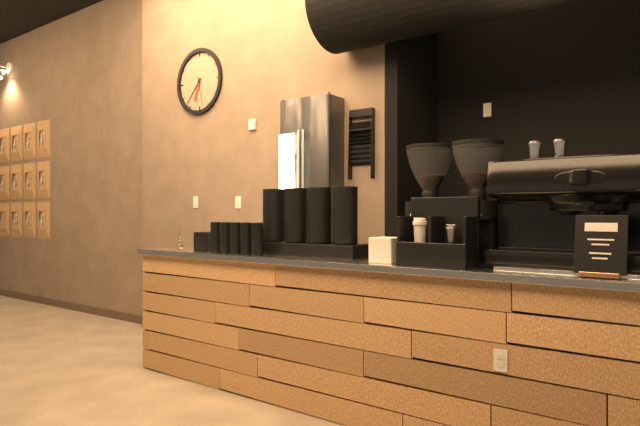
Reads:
{"hour": 6, "minute": 37}
